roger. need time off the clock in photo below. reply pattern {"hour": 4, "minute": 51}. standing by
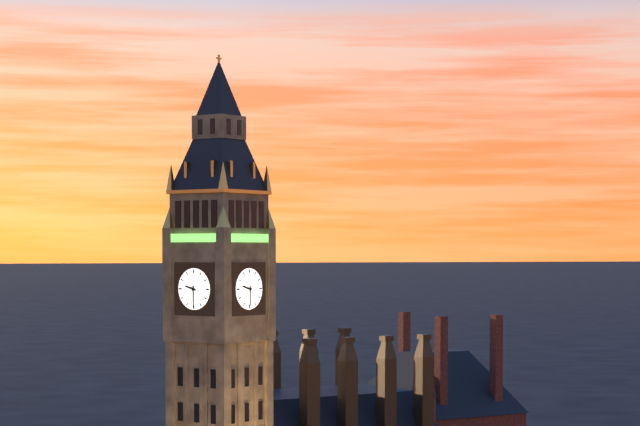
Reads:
{"hour": 9, "minute": 30}
